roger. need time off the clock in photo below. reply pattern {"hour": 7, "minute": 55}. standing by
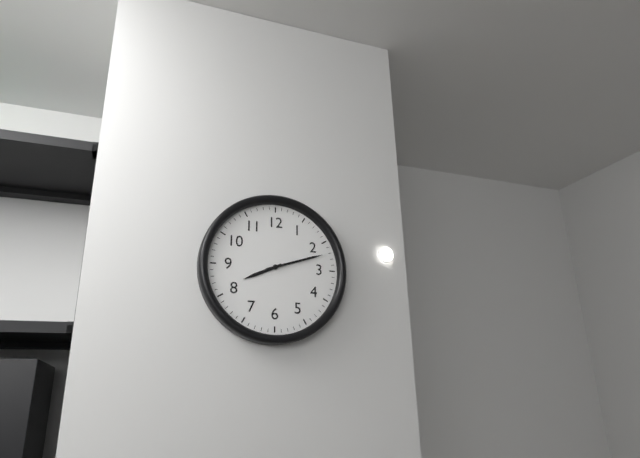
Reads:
{"hour": 8, "minute": 12}
